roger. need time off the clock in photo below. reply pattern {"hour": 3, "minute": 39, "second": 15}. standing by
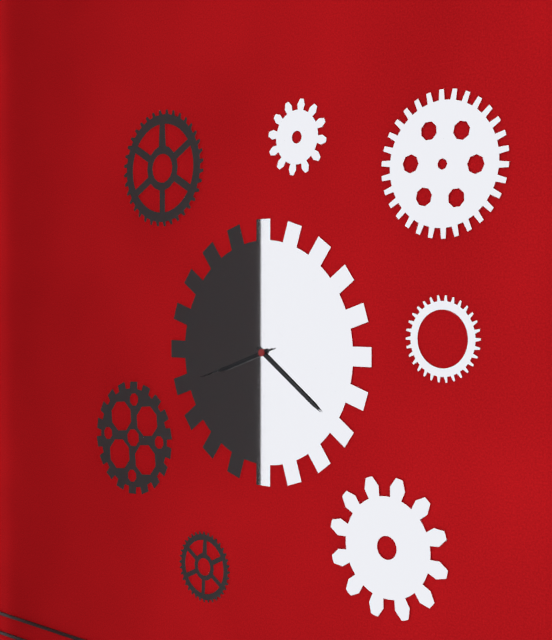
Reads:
{"hour": 8, "minute": 21, "second": 42}
